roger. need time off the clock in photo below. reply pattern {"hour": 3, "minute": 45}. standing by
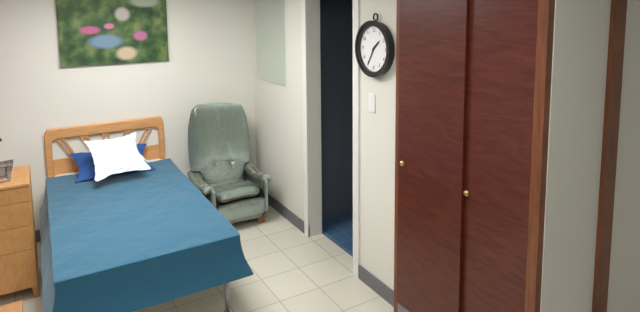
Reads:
{"hour": 1, "minute": 35}
